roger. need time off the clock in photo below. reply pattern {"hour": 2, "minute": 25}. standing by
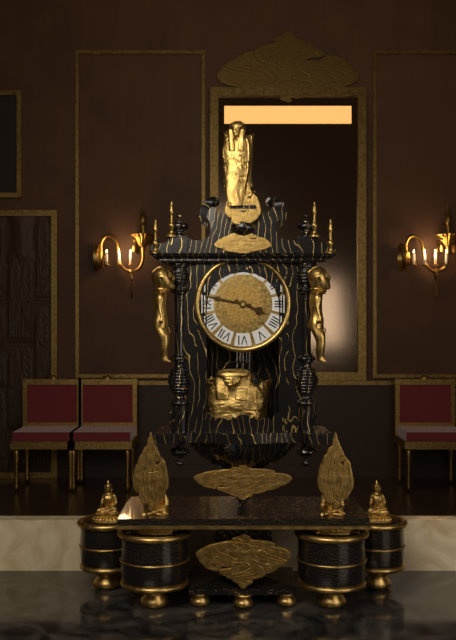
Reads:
{"hour": 3, "minute": 47}
